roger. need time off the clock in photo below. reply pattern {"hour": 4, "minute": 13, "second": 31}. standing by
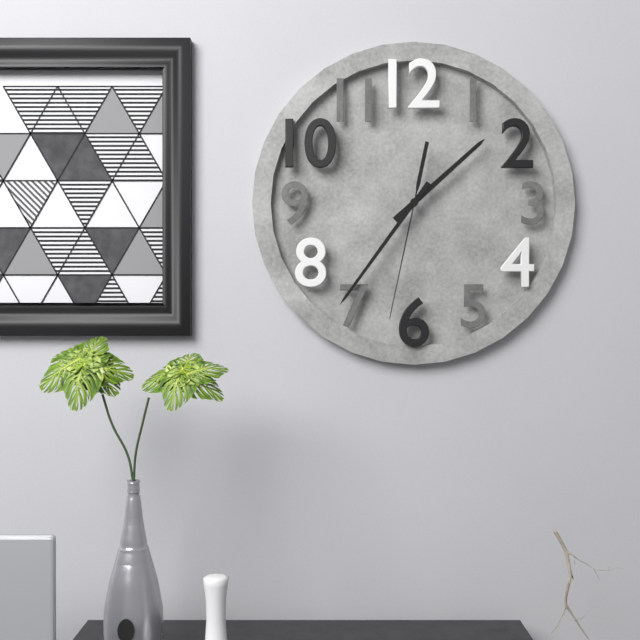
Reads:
{"hour": 1, "minute": 36, "second": 32}
